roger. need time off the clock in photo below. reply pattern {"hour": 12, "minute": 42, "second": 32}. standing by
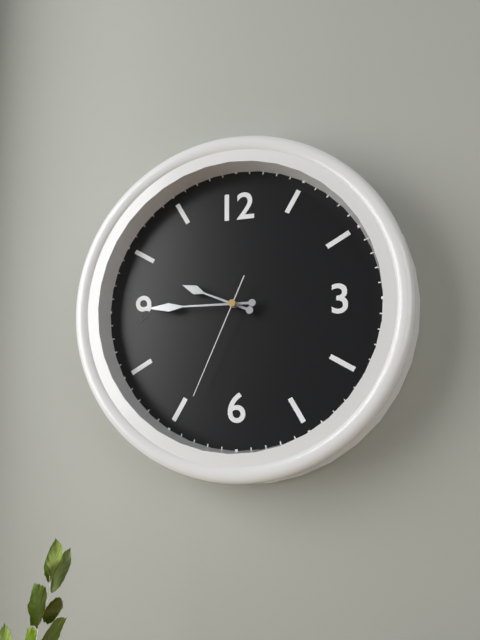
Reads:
{"hour": 9, "minute": 45, "second": 34}
